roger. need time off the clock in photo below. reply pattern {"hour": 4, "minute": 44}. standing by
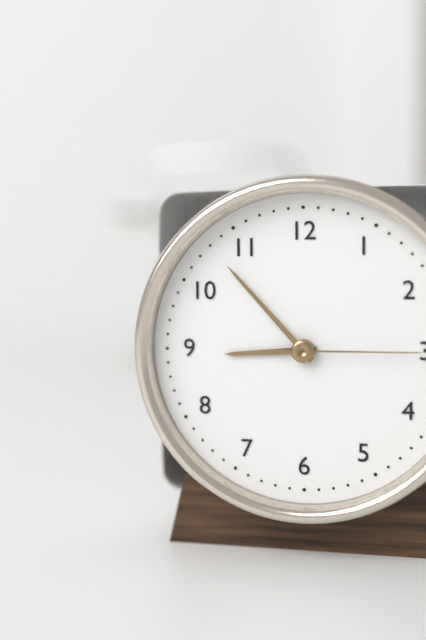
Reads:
{"hour": 8, "minute": 53}
